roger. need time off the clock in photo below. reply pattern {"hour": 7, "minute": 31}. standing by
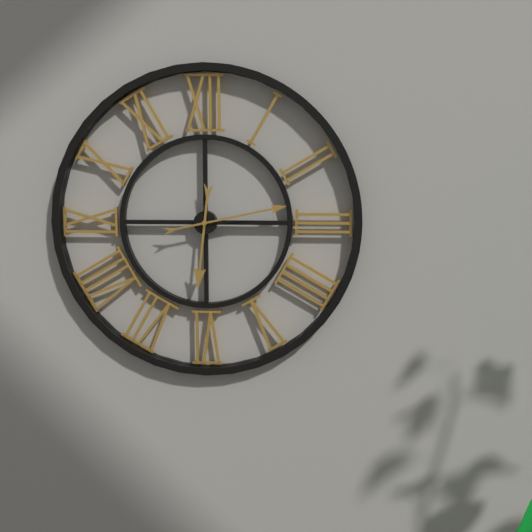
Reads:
{"hour": 6, "minute": 13}
